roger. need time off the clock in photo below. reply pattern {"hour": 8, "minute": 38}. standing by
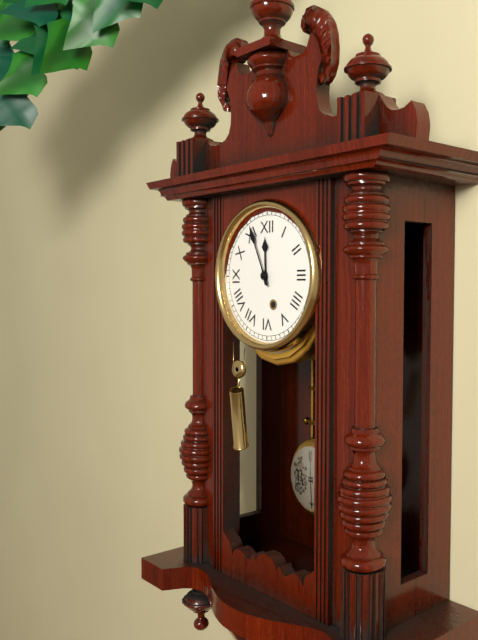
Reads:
{"hour": 11, "minute": 56}
